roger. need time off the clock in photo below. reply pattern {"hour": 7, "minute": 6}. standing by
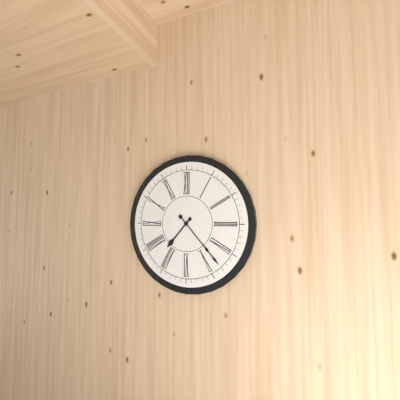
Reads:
{"hour": 7, "minute": 23}
